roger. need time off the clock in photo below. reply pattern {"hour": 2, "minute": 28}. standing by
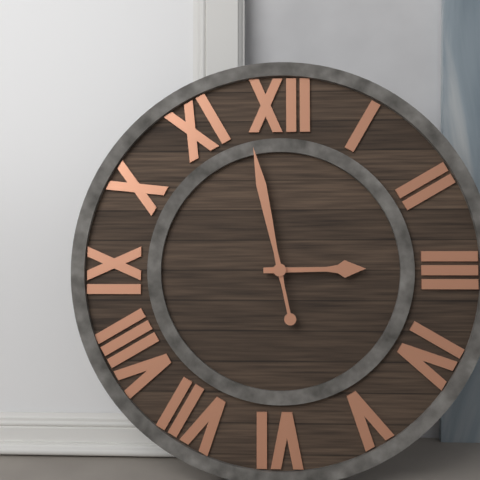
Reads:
{"hour": 2, "minute": 58}
